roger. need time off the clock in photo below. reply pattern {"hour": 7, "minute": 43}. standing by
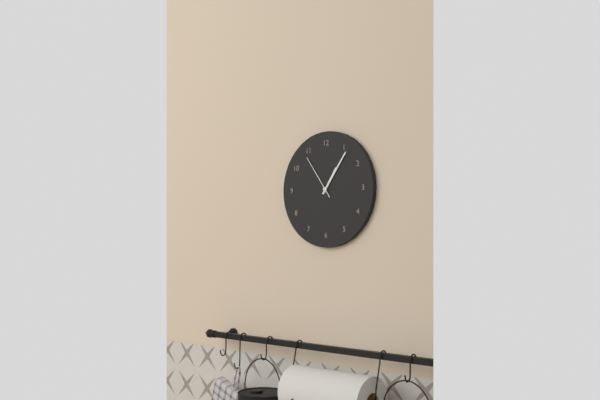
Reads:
{"hour": 1, "minute": 6}
